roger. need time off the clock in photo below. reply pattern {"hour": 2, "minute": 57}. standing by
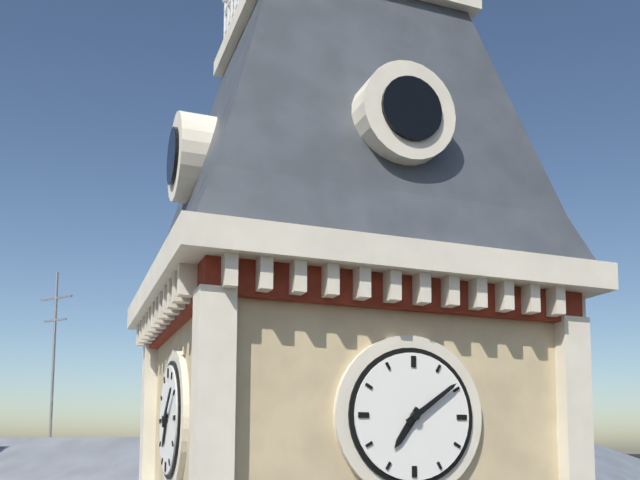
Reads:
{"hour": 7, "minute": 9}
